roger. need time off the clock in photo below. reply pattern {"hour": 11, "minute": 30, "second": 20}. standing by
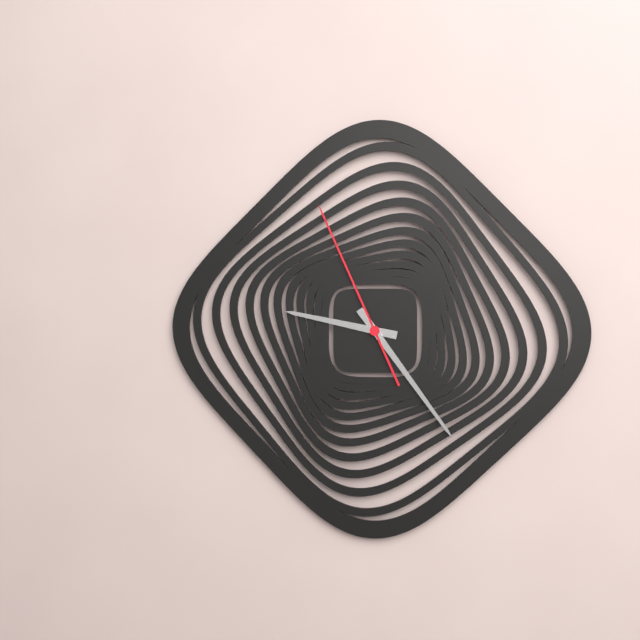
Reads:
{"hour": 9, "minute": 24, "second": 56}
